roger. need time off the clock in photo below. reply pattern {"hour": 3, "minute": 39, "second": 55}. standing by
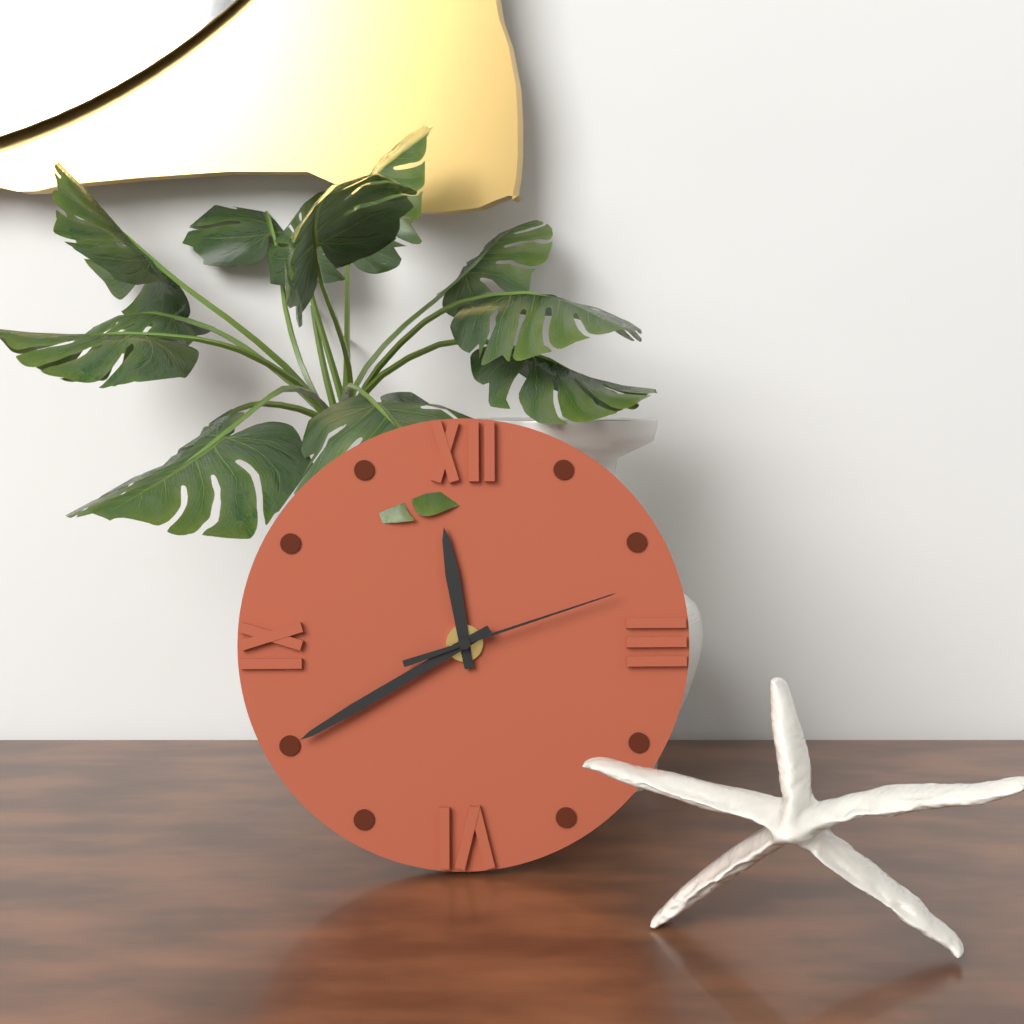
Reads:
{"hour": 11, "minute": 40, "second": 12}
